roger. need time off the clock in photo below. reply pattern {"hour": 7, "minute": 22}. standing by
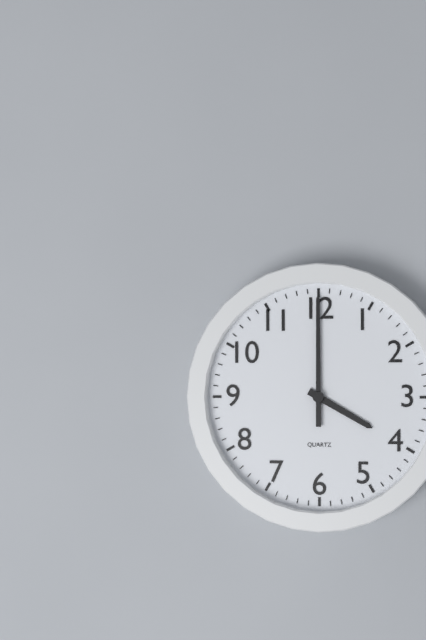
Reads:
{"hour": 4, "minute": 0}
